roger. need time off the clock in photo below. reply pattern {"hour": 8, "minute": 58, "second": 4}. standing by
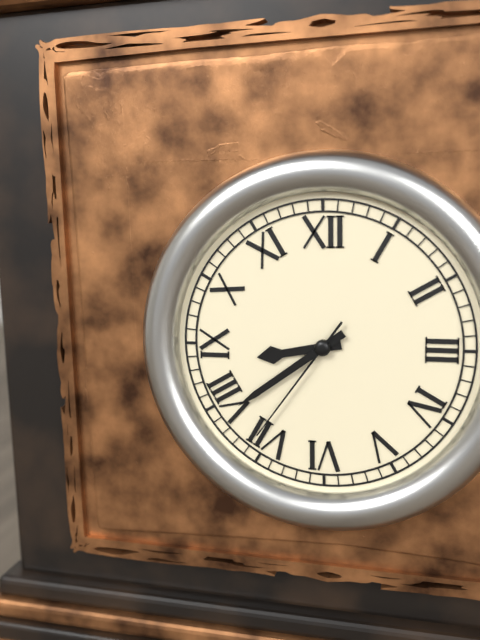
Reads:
{"hour": 8, "minute": 39, "second": 36}
